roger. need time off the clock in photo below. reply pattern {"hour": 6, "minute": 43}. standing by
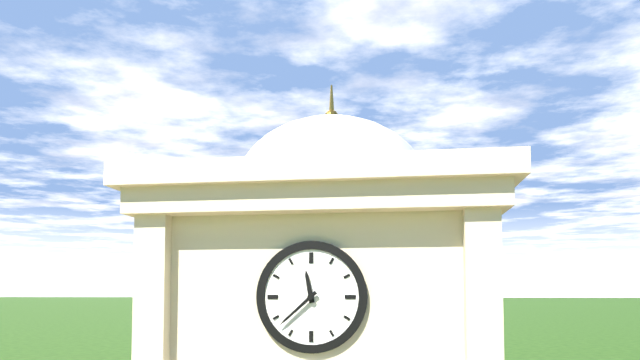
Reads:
{"hour": 11, "minute": 38}
